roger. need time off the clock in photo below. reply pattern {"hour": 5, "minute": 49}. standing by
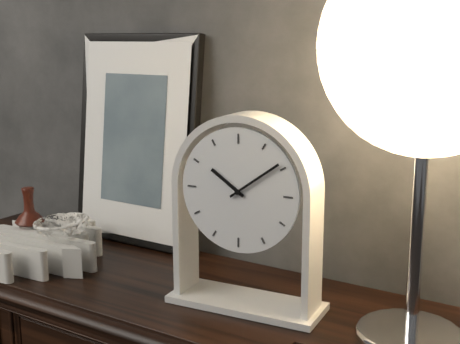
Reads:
{"hour": 10, "minute": 9}
